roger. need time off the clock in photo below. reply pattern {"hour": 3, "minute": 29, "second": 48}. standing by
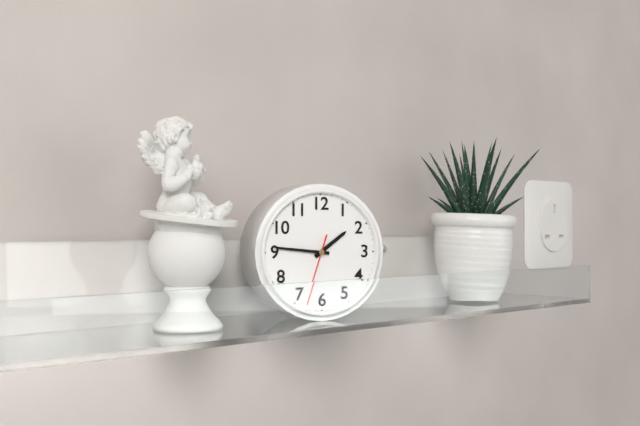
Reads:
{"hour": 1, "minute": 46, "second": 33}
